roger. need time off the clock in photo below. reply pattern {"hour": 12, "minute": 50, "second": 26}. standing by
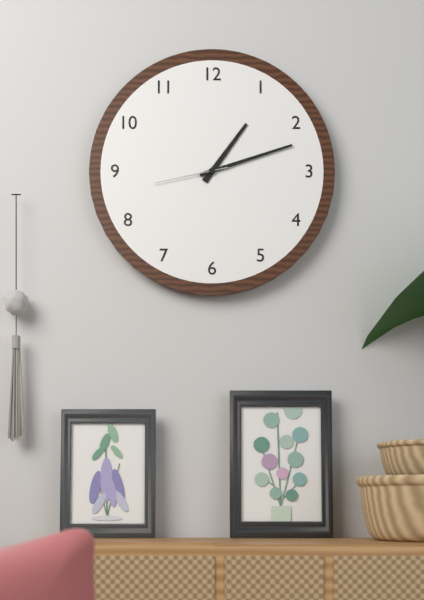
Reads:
{"hour": 1, "minute": 12, "second": 43}
